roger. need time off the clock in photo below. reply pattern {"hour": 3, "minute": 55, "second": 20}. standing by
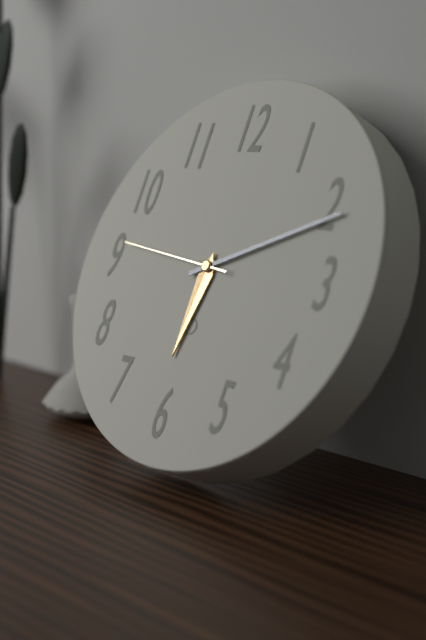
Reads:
{"hour": 6, "minute": 11, "second": 46}
